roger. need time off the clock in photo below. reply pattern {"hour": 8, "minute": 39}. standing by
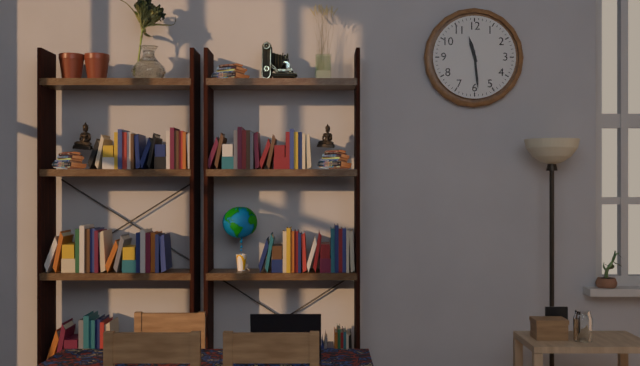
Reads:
{"hour": 11, "minute": 29}
